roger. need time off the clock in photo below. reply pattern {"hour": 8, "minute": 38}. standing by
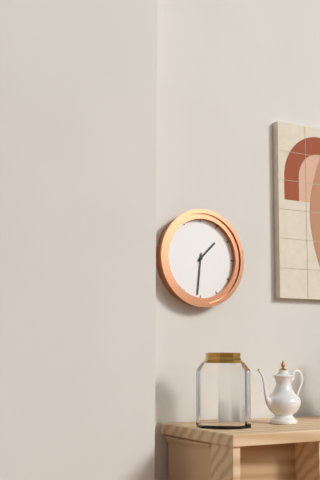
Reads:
{"hour": 1, "minute": 31}
